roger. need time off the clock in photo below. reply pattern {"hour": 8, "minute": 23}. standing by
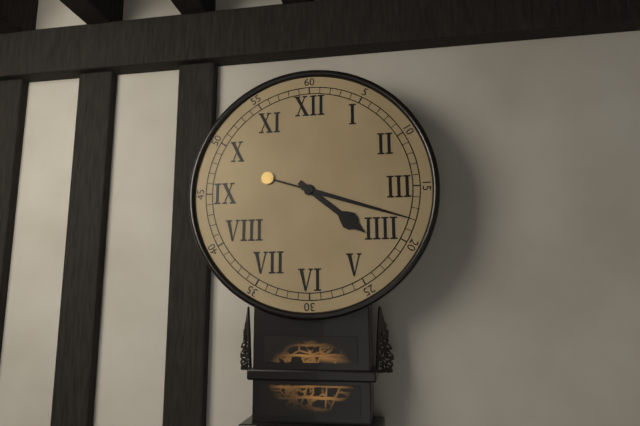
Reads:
{"hour": 4, "minute": 18}
